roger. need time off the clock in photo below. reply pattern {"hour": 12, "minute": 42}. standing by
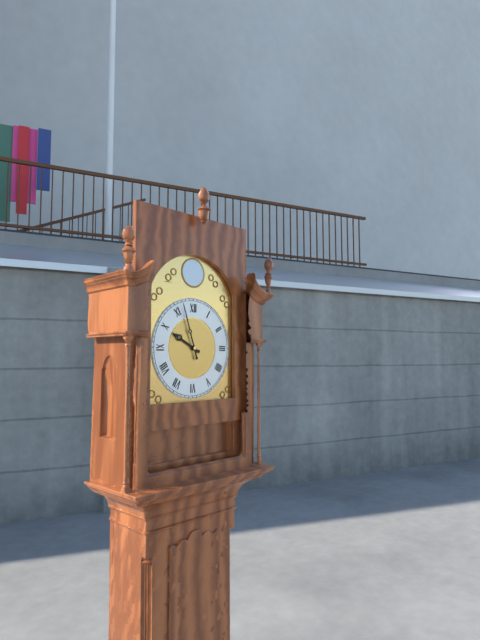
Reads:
{"hour": 9, "minute": 57}
